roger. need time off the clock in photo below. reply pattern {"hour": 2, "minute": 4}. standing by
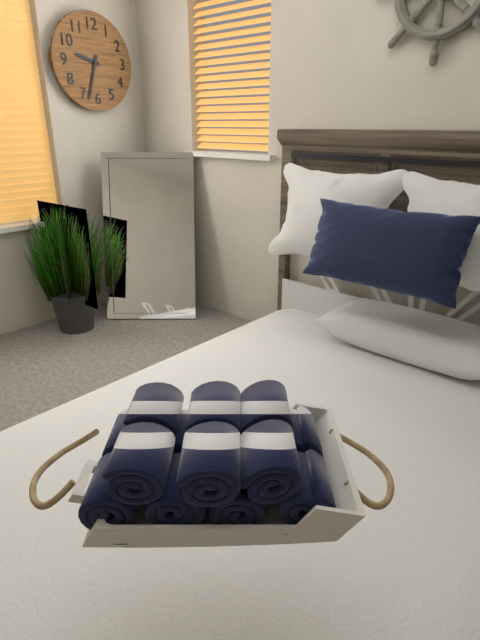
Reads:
{"hour": 9, "minute": 33}
